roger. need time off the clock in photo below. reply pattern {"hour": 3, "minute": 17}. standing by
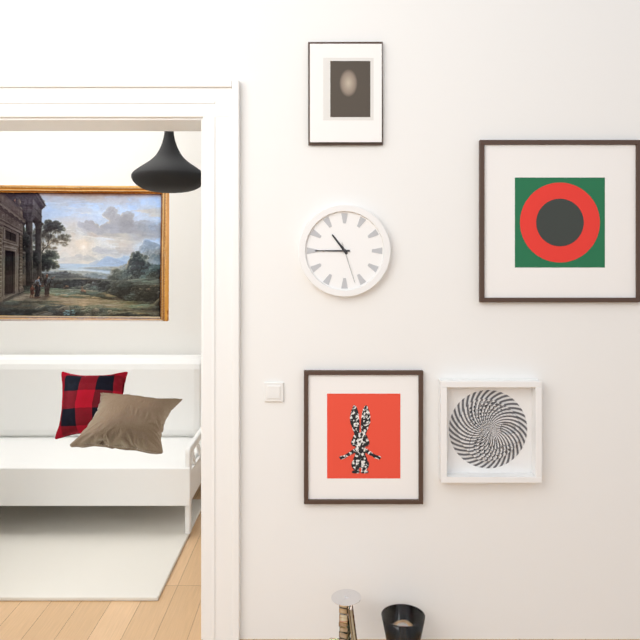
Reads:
{"hour": 10, "minute": 45}
